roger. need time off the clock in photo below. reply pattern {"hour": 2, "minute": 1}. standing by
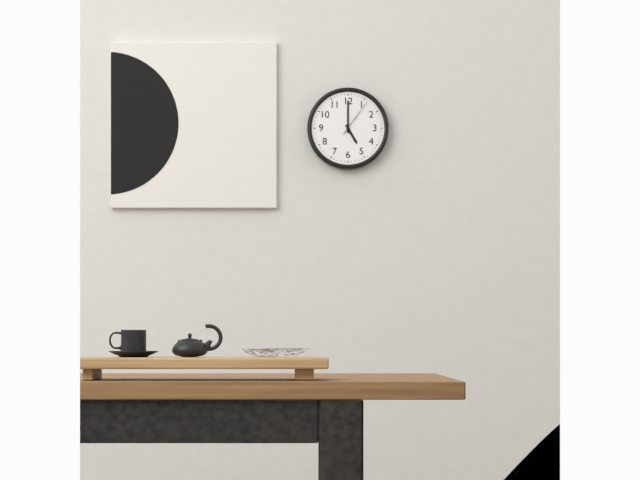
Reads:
{"hour": 5, "minute": 0}
